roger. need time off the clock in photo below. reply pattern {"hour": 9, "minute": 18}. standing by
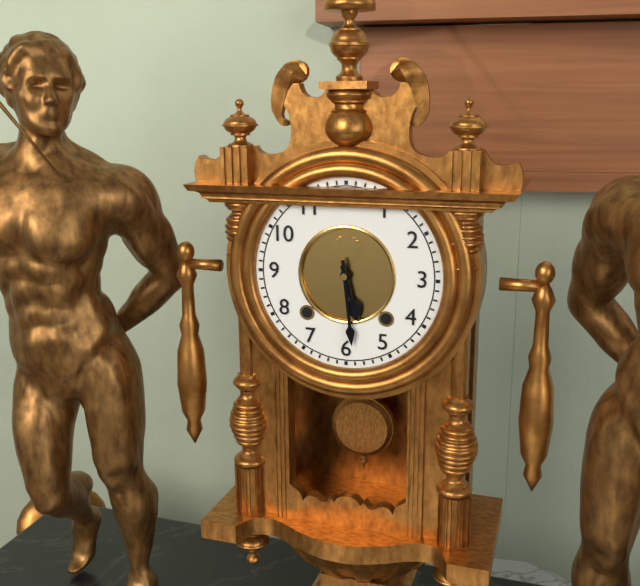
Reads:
{"hour": 5, "minute": 29}
